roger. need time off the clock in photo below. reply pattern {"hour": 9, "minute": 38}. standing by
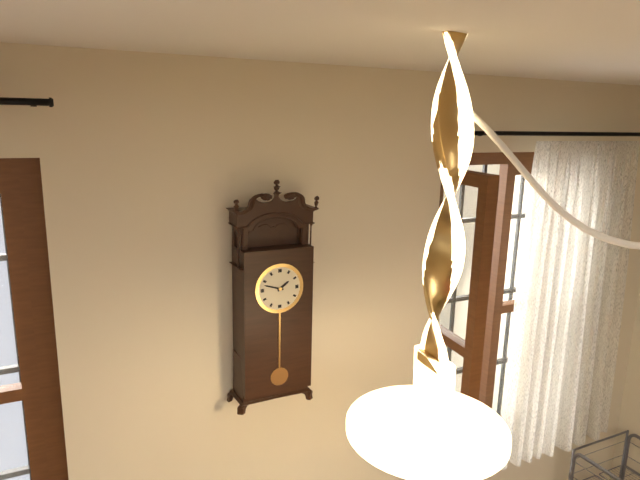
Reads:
{"hour": 1, "minute": 48}
